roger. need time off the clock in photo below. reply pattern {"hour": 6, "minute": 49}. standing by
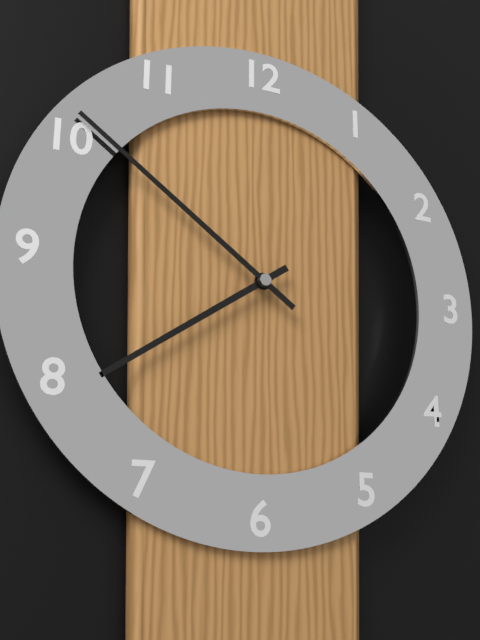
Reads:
{"hour": 7, "minute": 51}
